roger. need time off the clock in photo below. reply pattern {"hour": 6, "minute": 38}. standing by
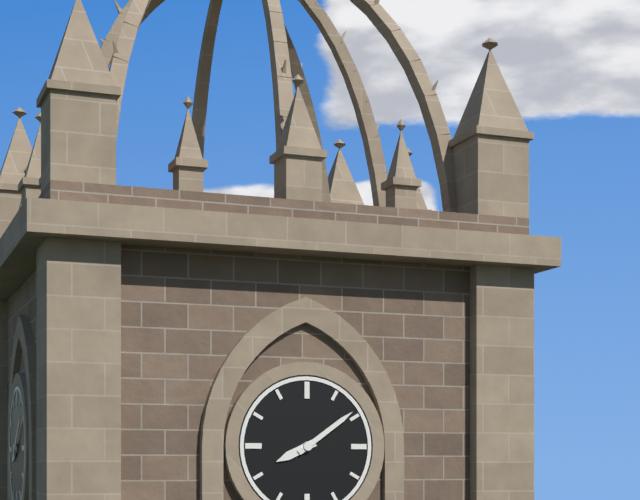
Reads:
{"hour": 8, "minute": 9}
